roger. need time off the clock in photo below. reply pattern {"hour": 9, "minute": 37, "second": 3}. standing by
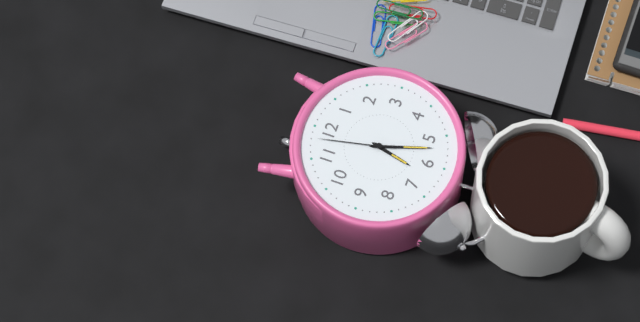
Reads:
{"hour": 6, "minute": 27, "second": 58}
